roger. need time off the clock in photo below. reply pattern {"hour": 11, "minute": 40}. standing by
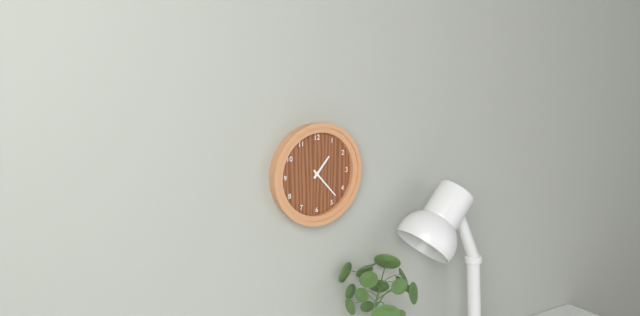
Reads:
{"hour": 1, "minute": 23}
